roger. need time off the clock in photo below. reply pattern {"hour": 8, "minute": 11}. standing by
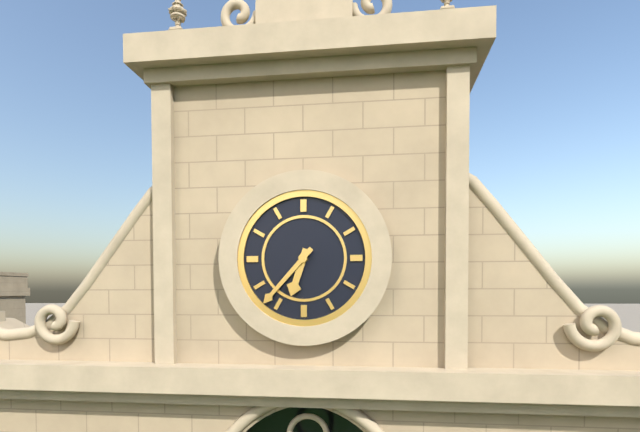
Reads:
{"hour": 6, "minute": 37}
